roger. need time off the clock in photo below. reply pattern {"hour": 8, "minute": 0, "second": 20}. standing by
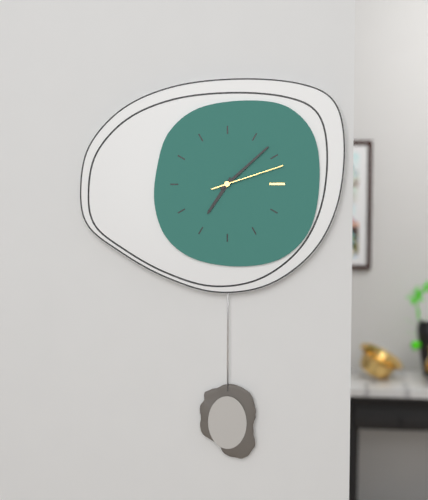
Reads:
{"hour": 7, "minute": 8, "second": 12}
